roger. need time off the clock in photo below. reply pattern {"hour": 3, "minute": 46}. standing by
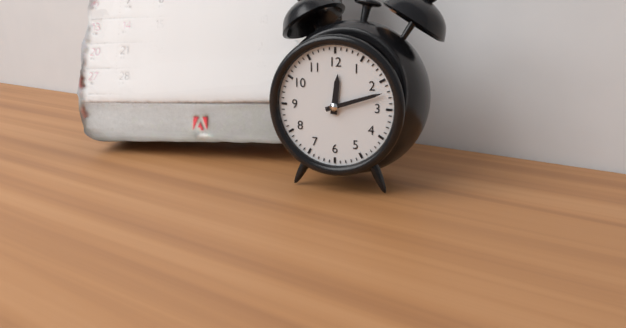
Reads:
{"hour": 12, "minute": 12}
